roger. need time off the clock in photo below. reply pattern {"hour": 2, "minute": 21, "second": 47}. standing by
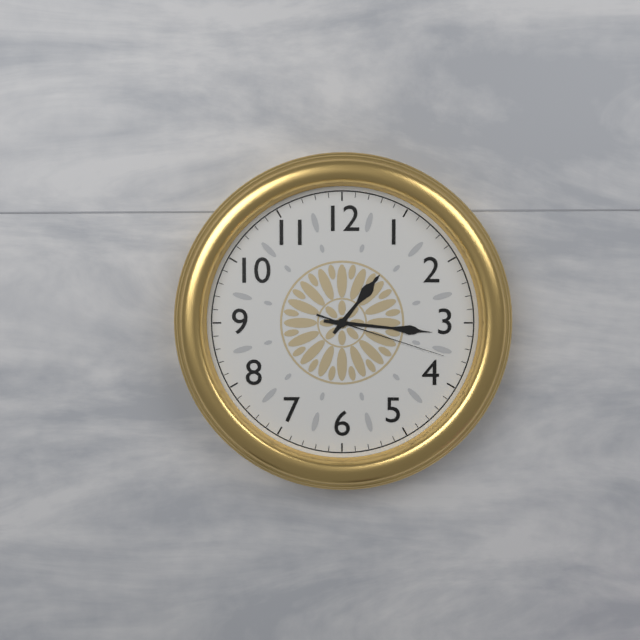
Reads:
{"hour": 1, "minute": 16, "second": 18}
